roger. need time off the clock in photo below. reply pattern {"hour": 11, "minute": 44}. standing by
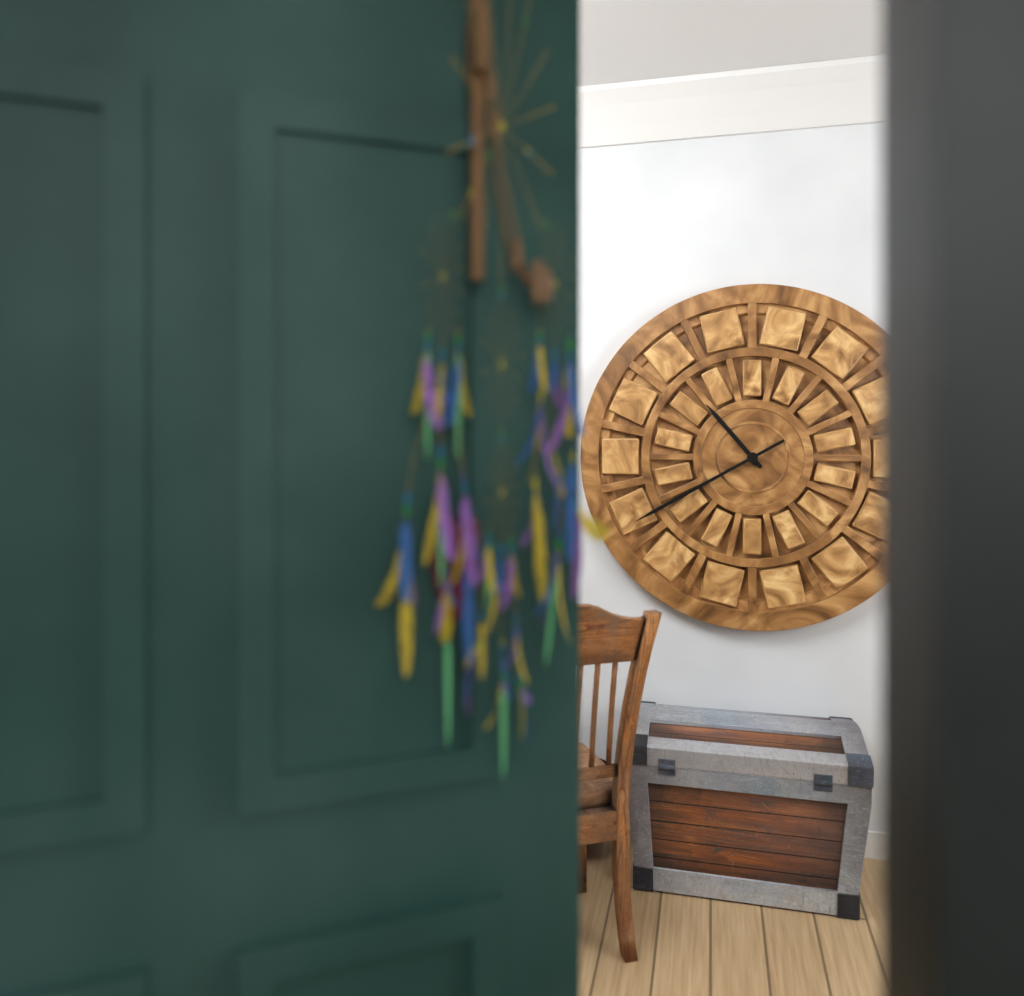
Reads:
{"hour": 10, "minute": 40}
